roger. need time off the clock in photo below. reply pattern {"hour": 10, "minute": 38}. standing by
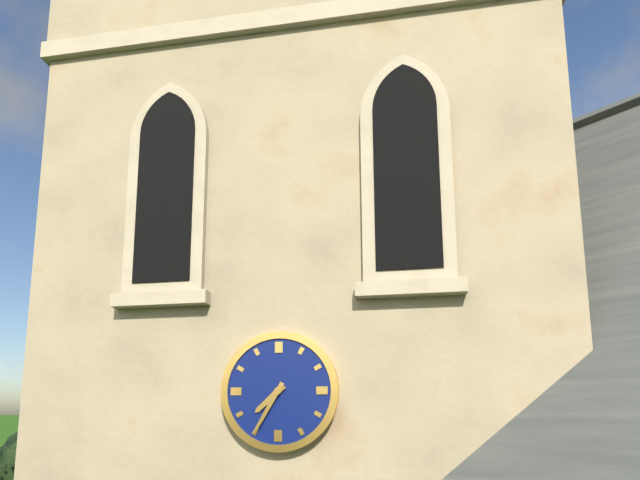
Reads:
{"hour": 7, "minute": 35}
